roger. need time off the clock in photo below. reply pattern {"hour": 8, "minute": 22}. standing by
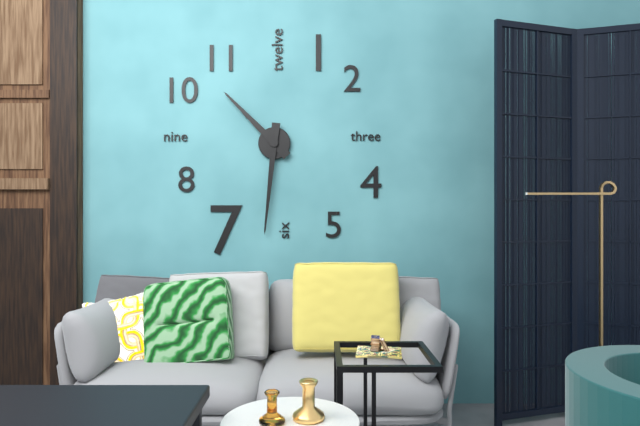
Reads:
{"hour": 10, "minute": 31}
